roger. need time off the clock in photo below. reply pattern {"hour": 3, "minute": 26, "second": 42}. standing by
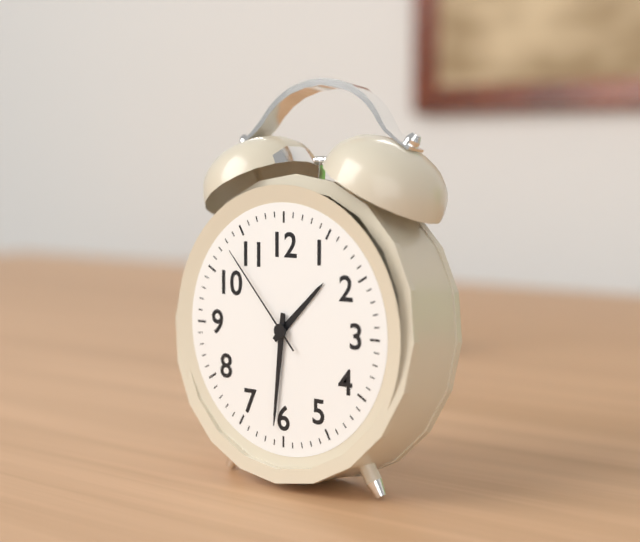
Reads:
{"hour": 1, "minute": 31, "second": 53}
